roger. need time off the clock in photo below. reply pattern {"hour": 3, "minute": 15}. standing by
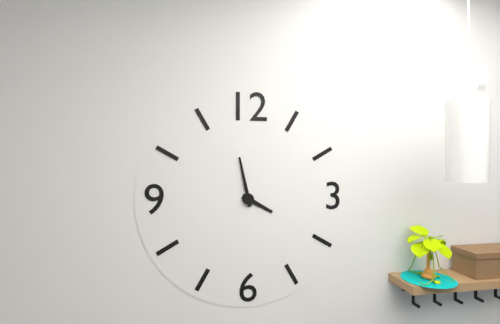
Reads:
{"hour": 3, "minute": 58}
